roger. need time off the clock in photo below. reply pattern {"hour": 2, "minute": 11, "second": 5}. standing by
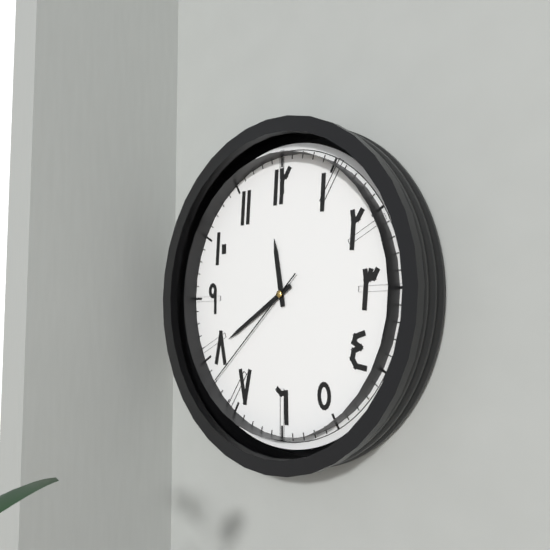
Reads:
{"hour": 11, "minute": 40, "second": 38}
